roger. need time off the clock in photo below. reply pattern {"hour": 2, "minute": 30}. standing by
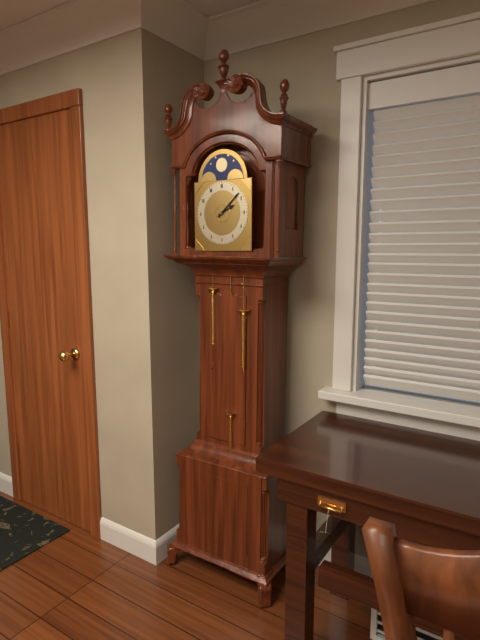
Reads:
{"hour": 2, "minute": 8}
